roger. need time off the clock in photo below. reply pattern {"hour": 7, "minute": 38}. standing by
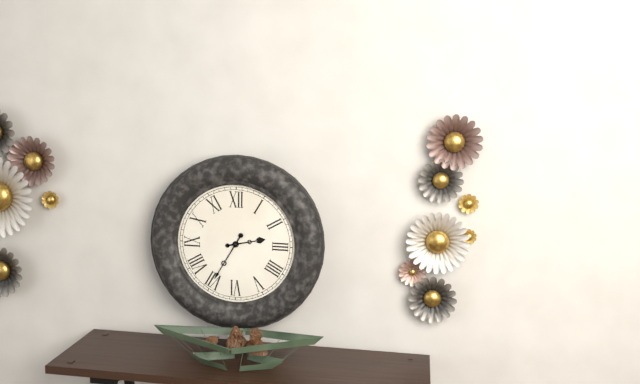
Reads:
{"hour": 2, "minute": 35}
